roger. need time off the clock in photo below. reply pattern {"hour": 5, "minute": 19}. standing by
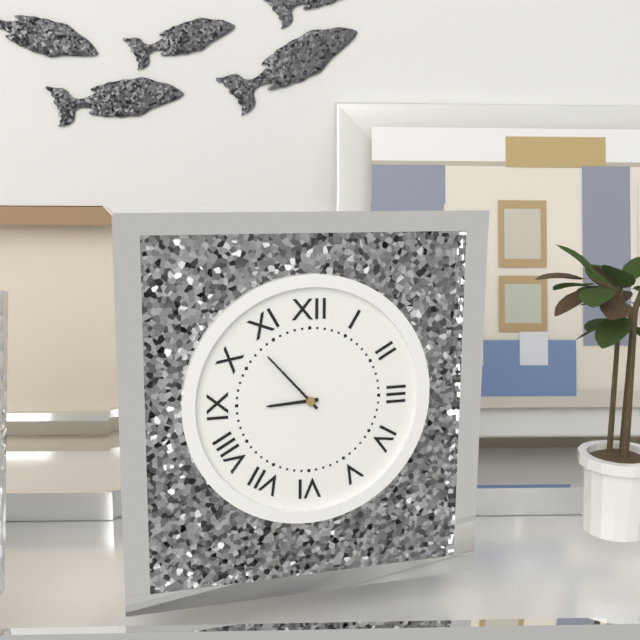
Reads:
{"hour": 8, "minute": 53}
